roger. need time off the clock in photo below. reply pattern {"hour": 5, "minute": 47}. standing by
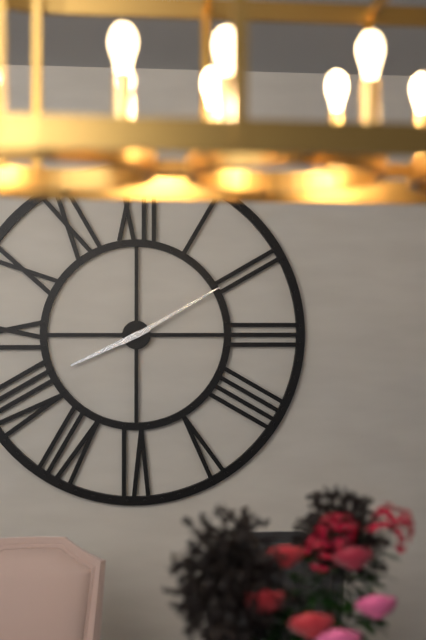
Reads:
{"hour": 8, "minute": 10}
